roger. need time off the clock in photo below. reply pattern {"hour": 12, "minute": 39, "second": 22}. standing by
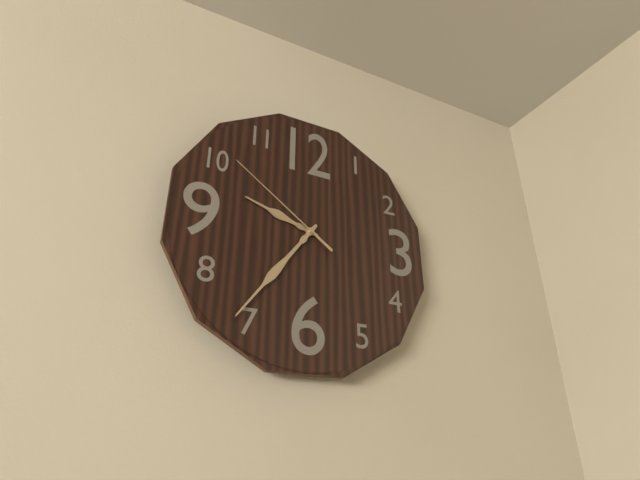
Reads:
{"hour": 9, "minute": 36, "second": 51}
